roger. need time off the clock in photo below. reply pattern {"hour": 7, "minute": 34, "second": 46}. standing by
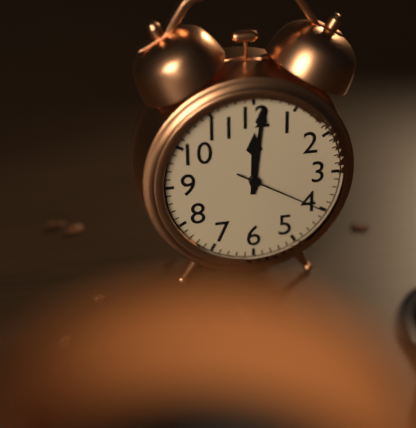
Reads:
{"hour": 12, "minute": 1, "second": 20}
